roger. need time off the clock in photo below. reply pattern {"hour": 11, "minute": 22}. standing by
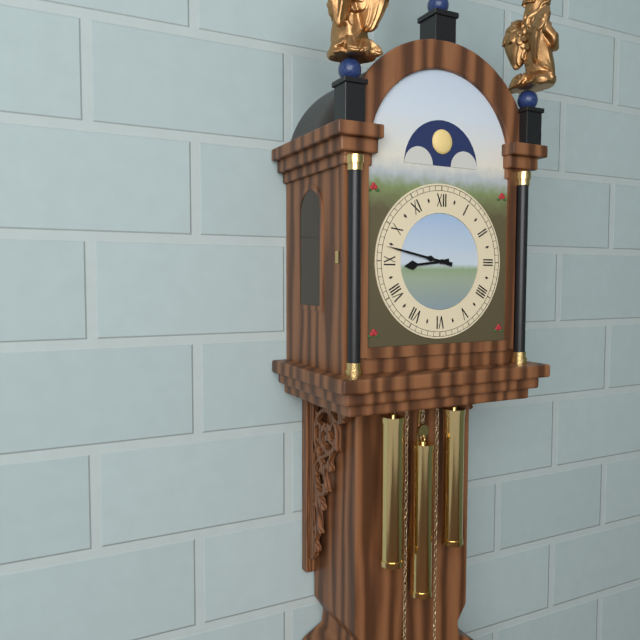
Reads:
{"hour": 8, "minute": 47}
